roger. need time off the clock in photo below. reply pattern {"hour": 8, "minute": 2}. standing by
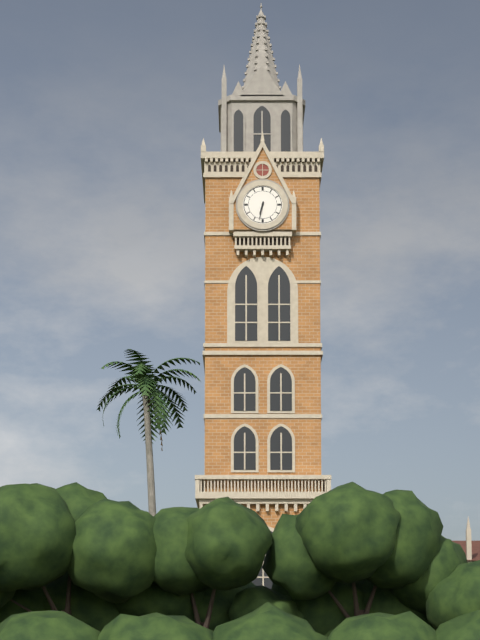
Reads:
{"hour": 6, "minute": 32}
